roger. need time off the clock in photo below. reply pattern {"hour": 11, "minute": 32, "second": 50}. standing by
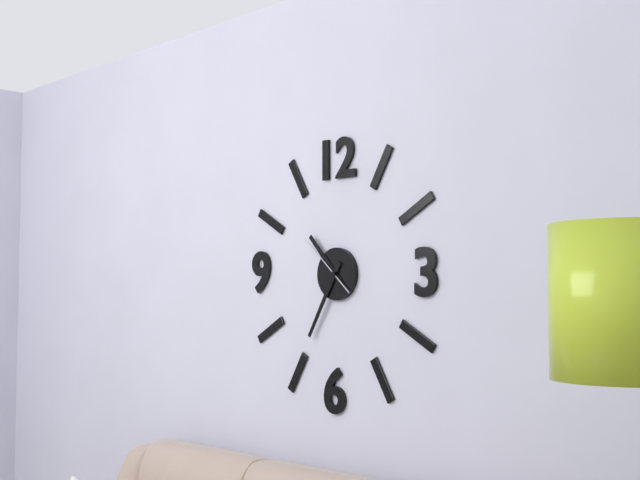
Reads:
{"hour": 10, "minute": 35, "second": 52}
